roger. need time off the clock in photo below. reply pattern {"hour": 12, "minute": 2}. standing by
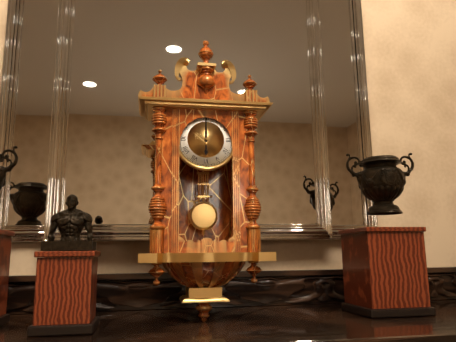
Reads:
{"hour": 6, "minute": 0}
